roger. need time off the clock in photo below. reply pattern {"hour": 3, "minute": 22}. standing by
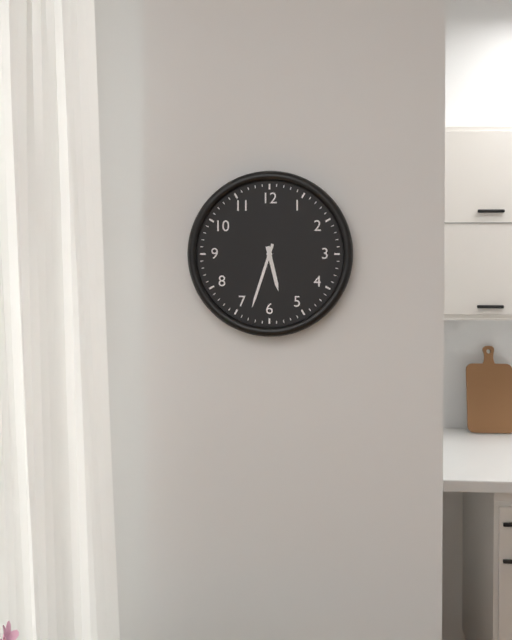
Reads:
{"hour": 5, "minute": 33}
